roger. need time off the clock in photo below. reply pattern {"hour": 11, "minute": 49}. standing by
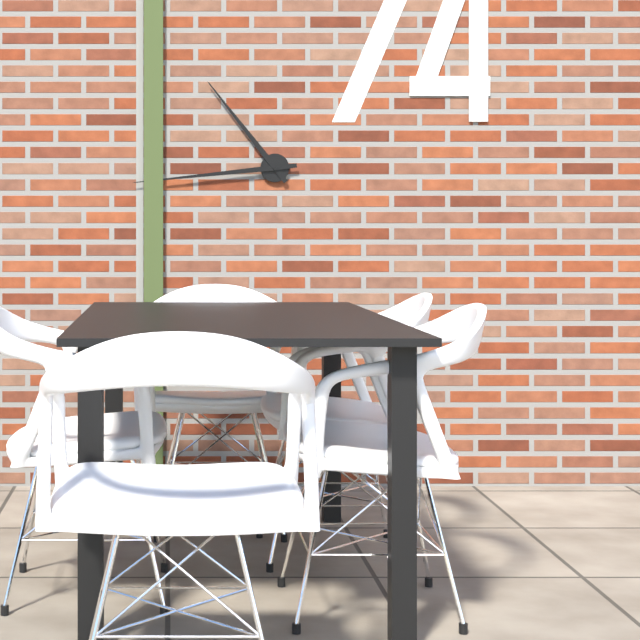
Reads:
{"hour": 10, "minute": 44}
